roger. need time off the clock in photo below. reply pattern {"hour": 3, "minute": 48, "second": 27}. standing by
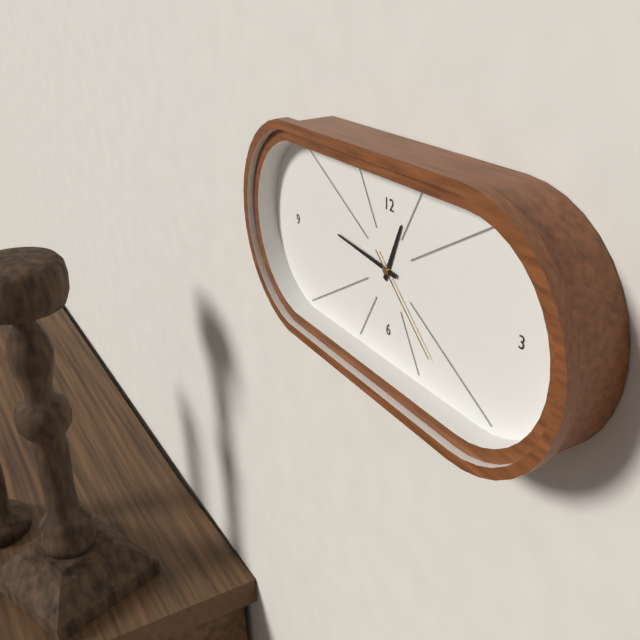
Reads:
{"hour": 12, "minute": 46, "second": 22}
